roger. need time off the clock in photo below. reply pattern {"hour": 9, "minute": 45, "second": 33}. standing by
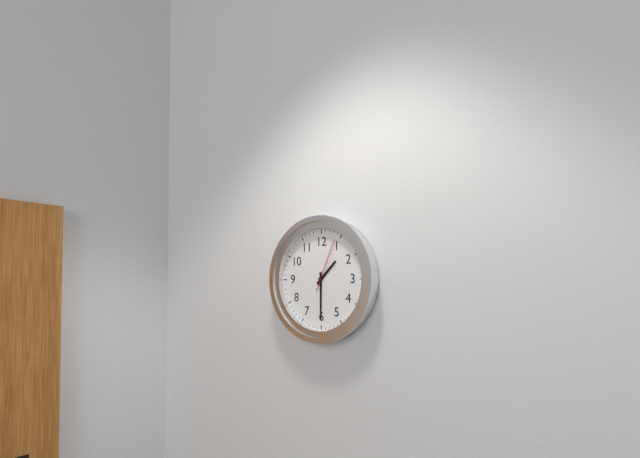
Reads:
{"hour": 1, "minute": 30, "second": 4}
